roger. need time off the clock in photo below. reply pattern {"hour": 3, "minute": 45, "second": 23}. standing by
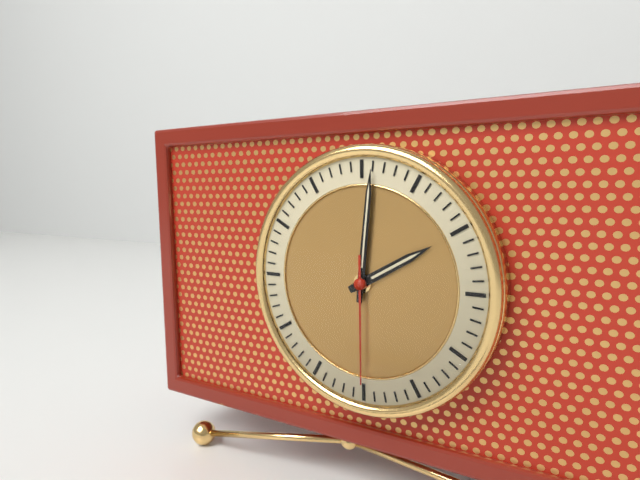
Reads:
{"hour": 2, "minute": 1, "second": 30}
